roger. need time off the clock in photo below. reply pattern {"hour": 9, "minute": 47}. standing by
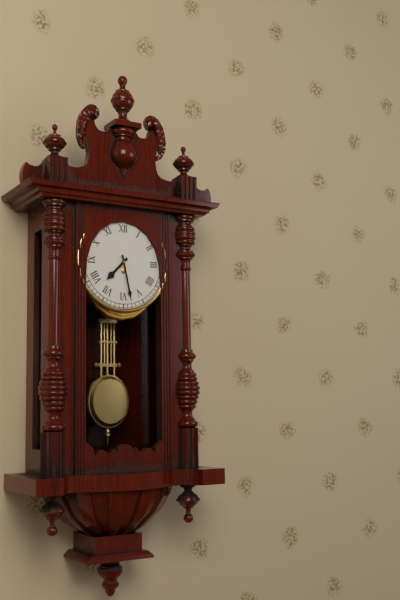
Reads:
{"hour": 7, "minute": 28}
